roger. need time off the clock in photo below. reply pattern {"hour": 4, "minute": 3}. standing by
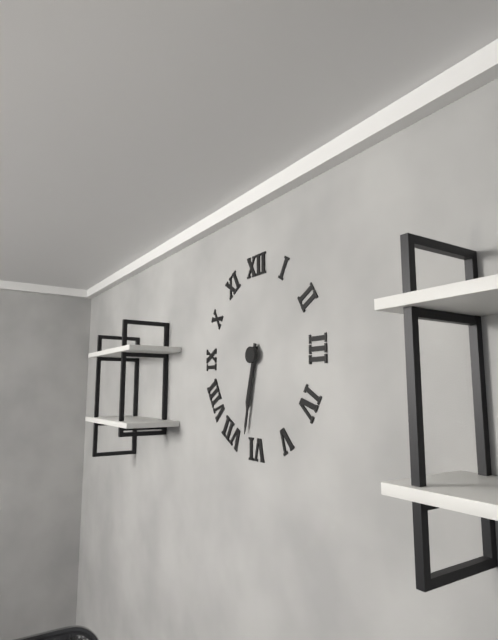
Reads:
{"hour": 6, "minute": 32}
